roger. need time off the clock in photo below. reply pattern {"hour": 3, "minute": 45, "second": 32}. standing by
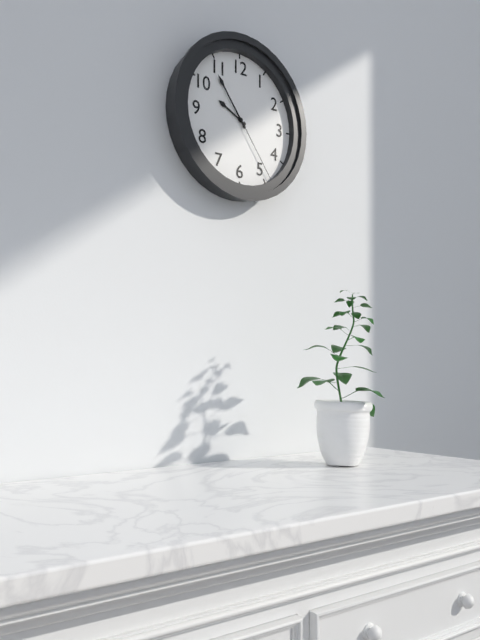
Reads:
{"hour": 9, "minute": 54, "second": 24}
